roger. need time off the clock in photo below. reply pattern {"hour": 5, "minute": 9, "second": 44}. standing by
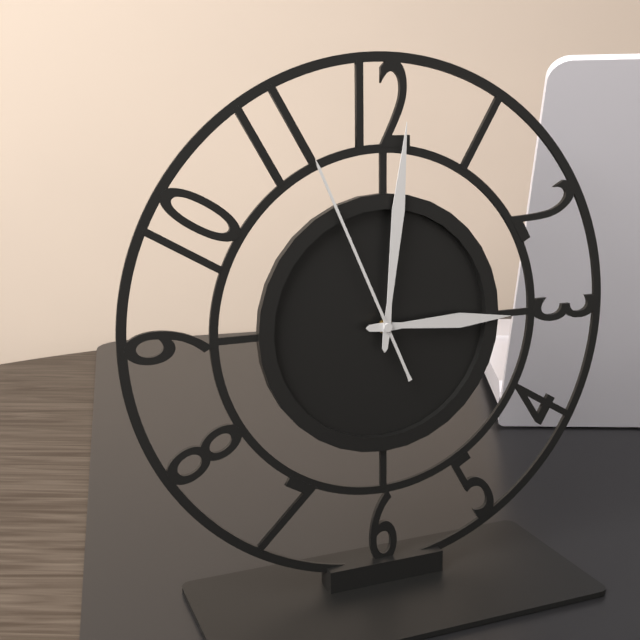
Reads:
{"hour": 3, "minute": 1, "second": 56}
